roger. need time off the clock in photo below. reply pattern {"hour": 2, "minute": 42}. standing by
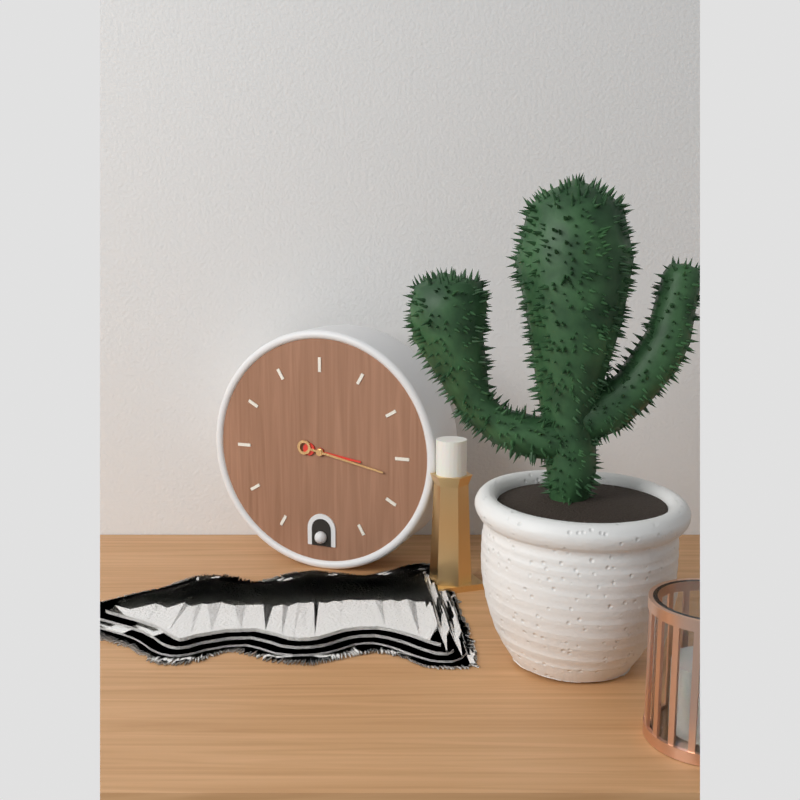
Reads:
{"hour": 3, "minute": 17}
